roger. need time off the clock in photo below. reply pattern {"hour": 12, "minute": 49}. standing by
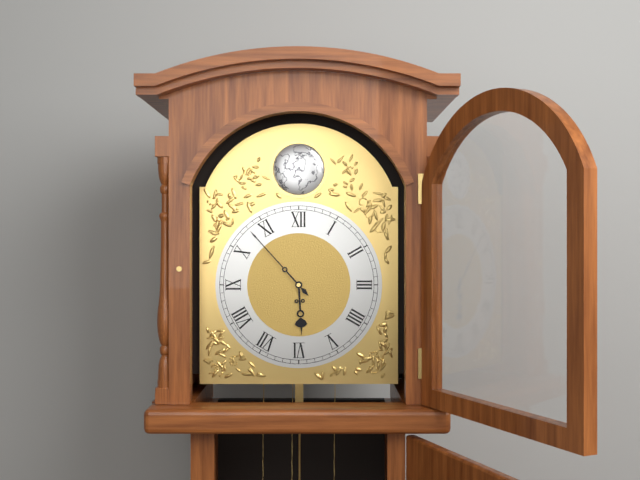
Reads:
{"hour": 5, "minute": 53}
